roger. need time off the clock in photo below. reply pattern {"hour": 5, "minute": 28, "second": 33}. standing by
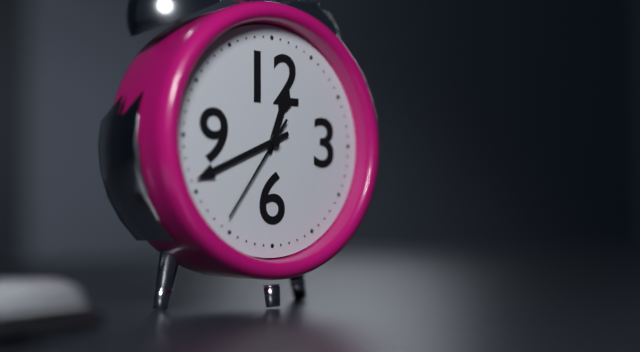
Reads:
{"hour": 12, "minute": 41, "second": 36}
